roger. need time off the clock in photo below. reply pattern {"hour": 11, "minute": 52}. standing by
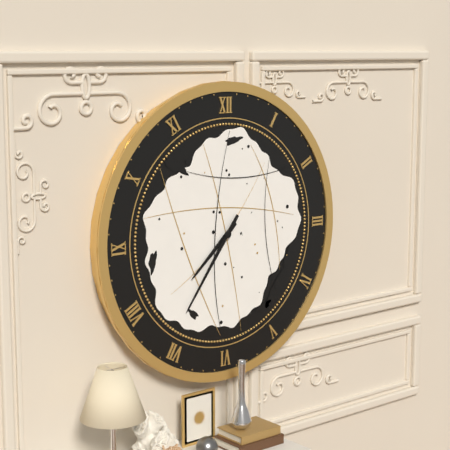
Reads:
{"hour": 7, "minute": 36}
